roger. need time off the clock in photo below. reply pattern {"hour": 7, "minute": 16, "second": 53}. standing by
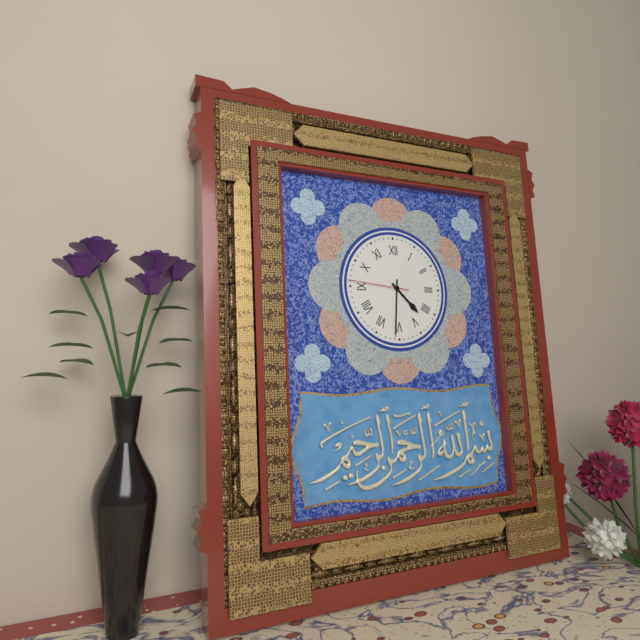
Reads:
{"hour": 4, "minute": 31, "second": 46}
